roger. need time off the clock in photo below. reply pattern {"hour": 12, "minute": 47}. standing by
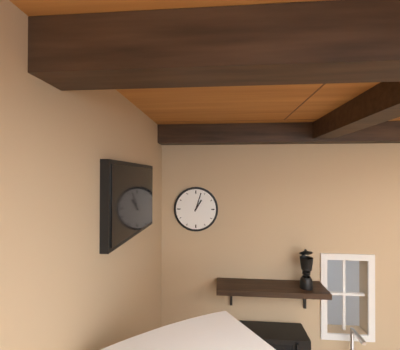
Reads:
{"hour": 1, "minute": 3}
